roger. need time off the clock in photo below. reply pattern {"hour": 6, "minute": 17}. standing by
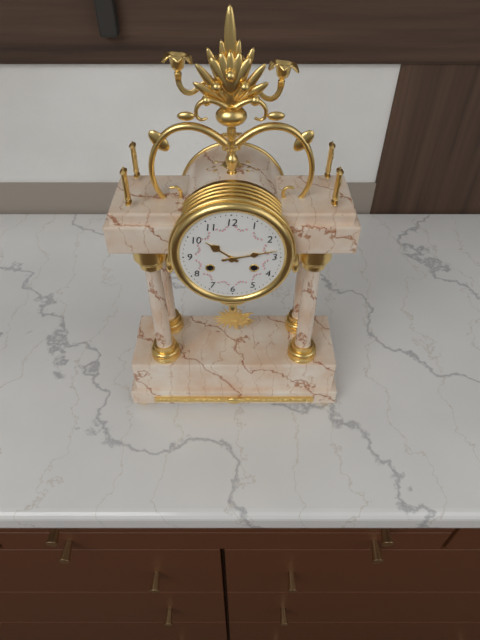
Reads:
{"hour": 10, "minute": 13}
